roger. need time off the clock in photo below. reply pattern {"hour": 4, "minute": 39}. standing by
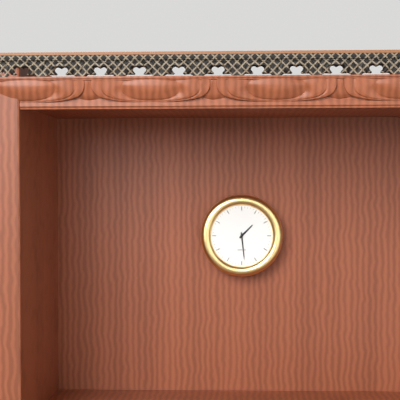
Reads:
{"hour": 1, "minute": 29}
